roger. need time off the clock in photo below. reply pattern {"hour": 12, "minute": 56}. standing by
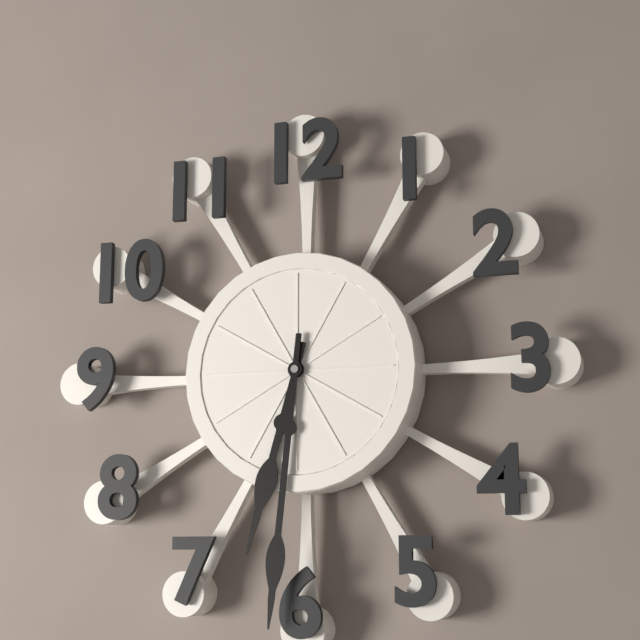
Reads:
{"hour": 6, "minute": 31}
